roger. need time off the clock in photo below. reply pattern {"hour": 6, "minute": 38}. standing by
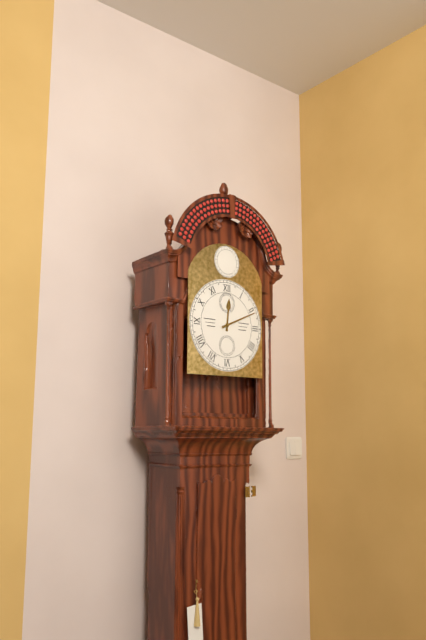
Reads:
{"hour": 12, "minute": 11}
